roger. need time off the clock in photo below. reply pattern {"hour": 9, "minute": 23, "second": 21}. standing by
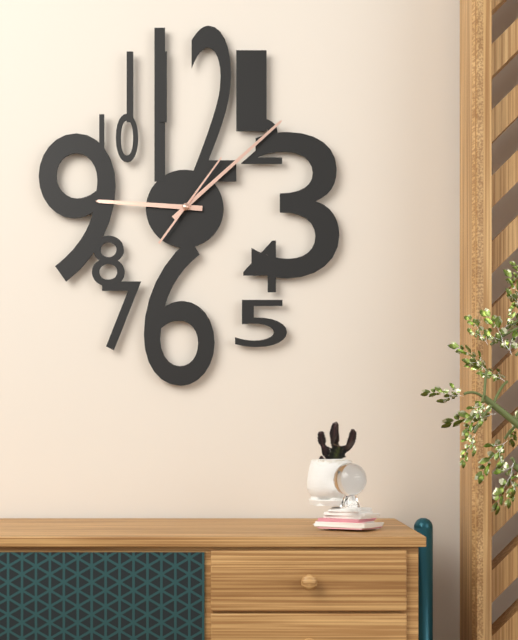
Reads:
{"hour": 9, "minute": 8, "second": 6}
